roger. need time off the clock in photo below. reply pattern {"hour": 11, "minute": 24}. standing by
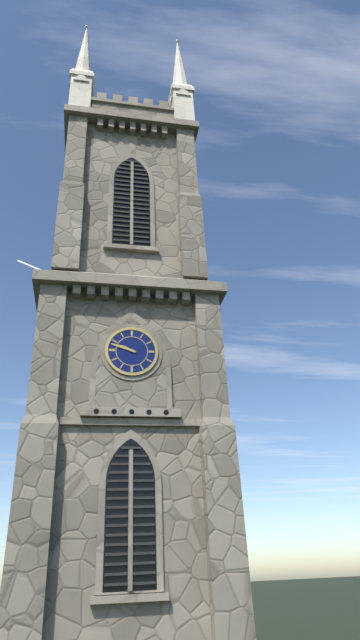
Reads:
{"hour": 9, "minute": 48}
